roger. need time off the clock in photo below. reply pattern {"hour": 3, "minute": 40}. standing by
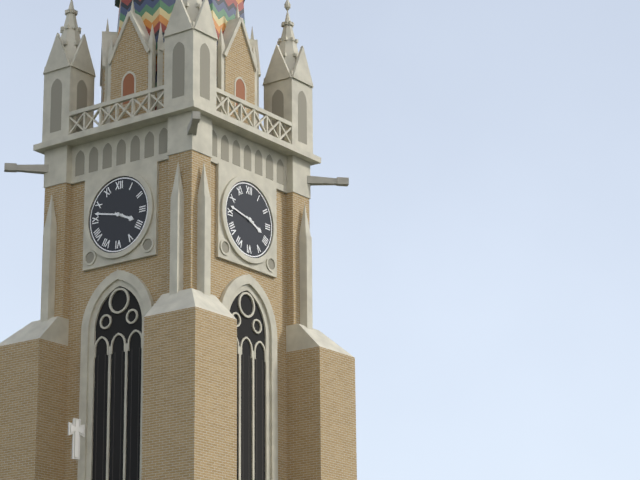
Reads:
{"hour": 3, "minute": 47}
